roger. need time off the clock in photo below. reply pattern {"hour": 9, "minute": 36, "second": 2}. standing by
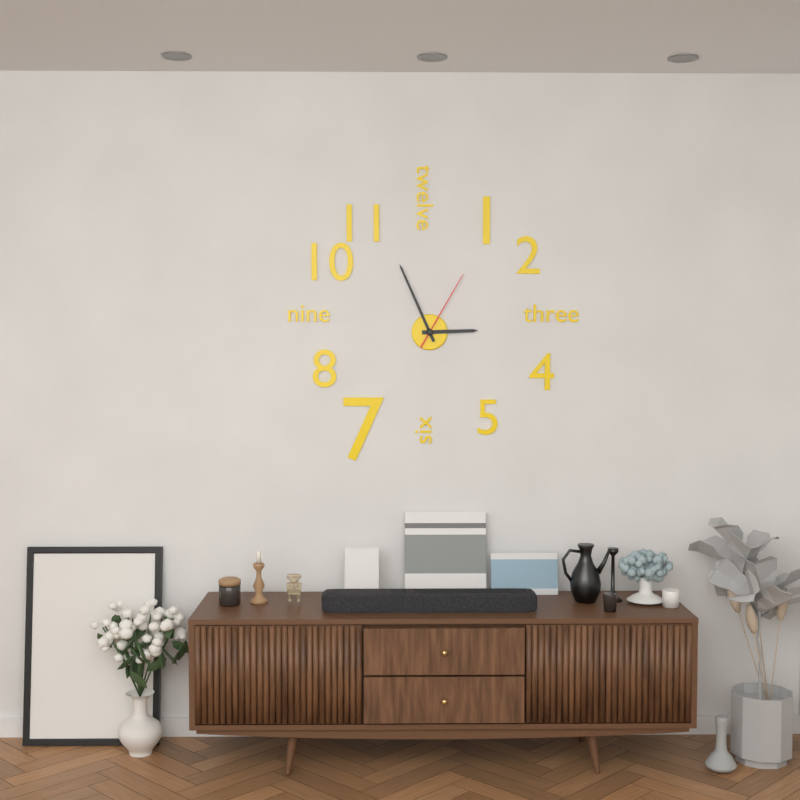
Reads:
{"hour": 2, "minute": 56, "second": 5}
